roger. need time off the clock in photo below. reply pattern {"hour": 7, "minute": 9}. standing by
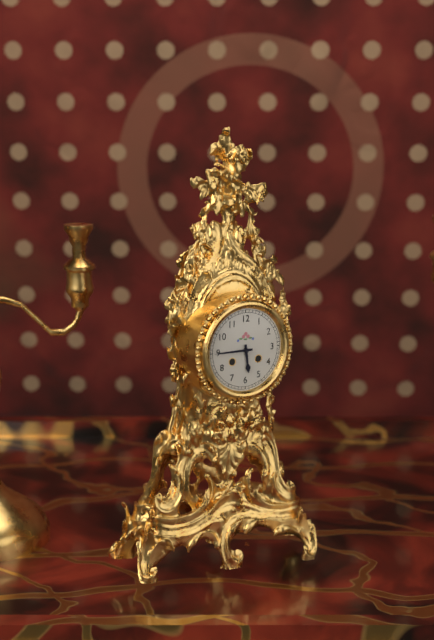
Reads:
{"hour": 5, "minute": 45}
